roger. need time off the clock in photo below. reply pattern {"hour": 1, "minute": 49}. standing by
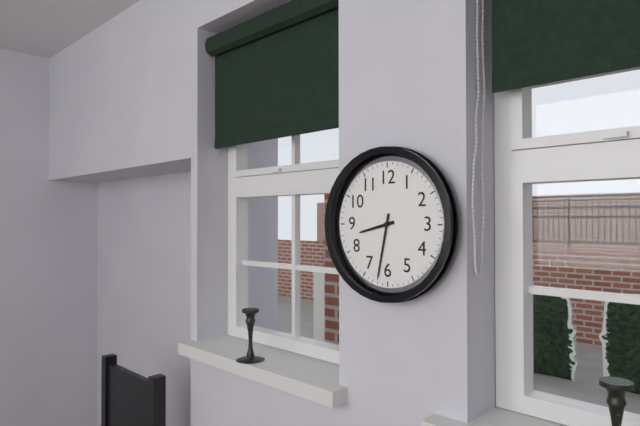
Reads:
{"hour": 8, "minute": 32}
